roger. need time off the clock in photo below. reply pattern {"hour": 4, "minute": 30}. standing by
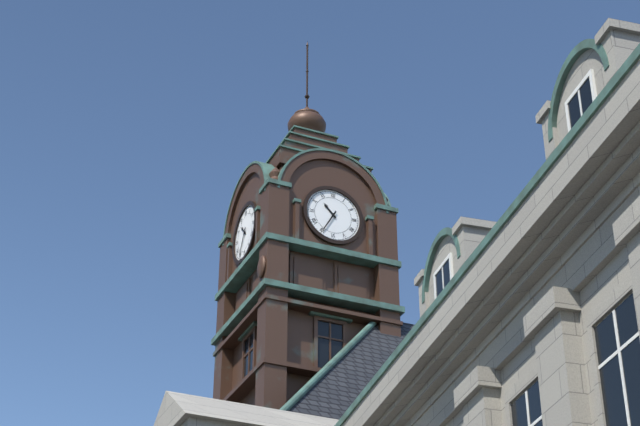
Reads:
{"hour": 10, "minute": 35}
